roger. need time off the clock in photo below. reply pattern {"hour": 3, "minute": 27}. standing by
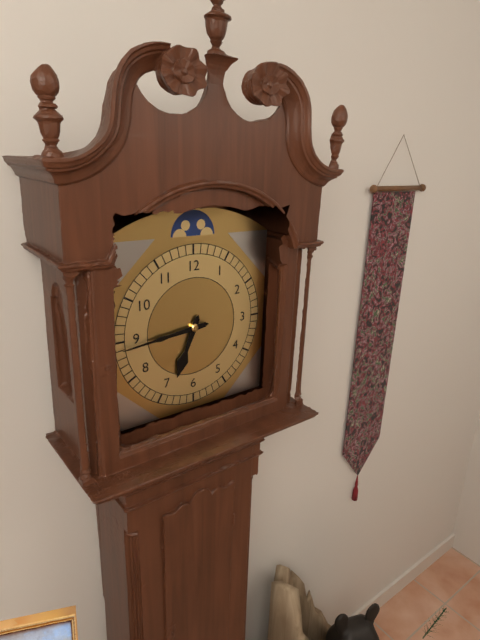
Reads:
{"hour": 6, "minute": 44}
